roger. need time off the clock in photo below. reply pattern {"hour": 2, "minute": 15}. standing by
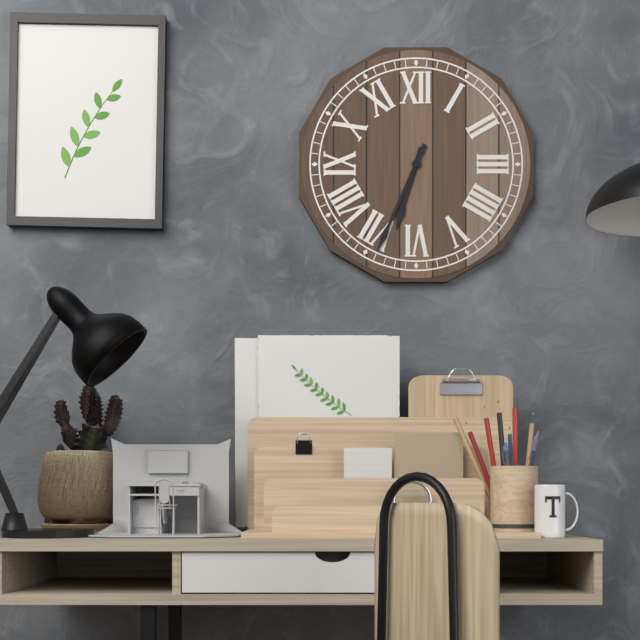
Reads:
{"hour": 6, "minute": 34}
